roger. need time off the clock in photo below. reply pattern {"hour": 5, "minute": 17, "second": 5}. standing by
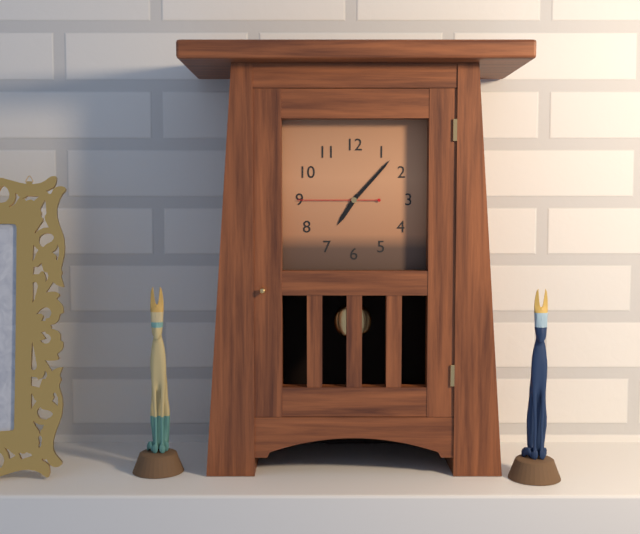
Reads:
{"hour": 7, "minute": 7, "second": 45}
